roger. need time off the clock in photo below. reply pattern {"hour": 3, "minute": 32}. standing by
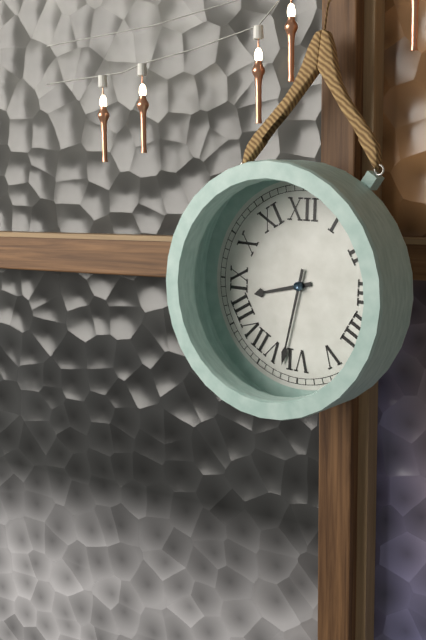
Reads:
{"hour": 8, "minute": 32}
